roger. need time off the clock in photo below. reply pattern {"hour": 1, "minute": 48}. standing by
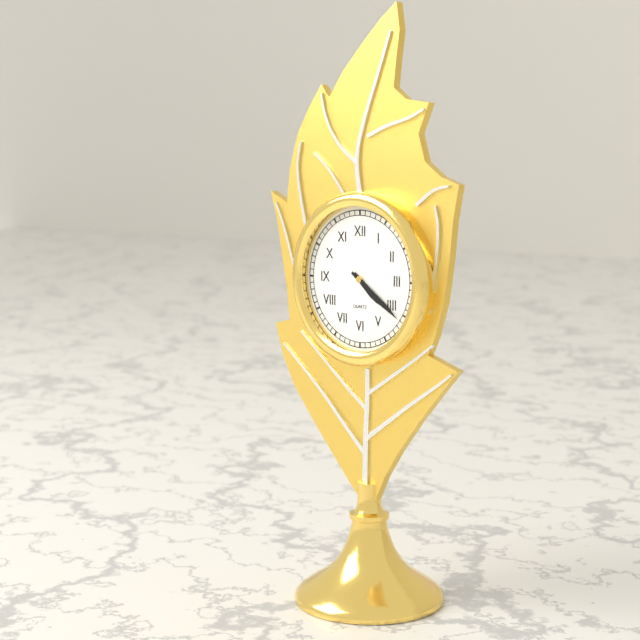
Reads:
{"hour": 4, "minute": 21}
